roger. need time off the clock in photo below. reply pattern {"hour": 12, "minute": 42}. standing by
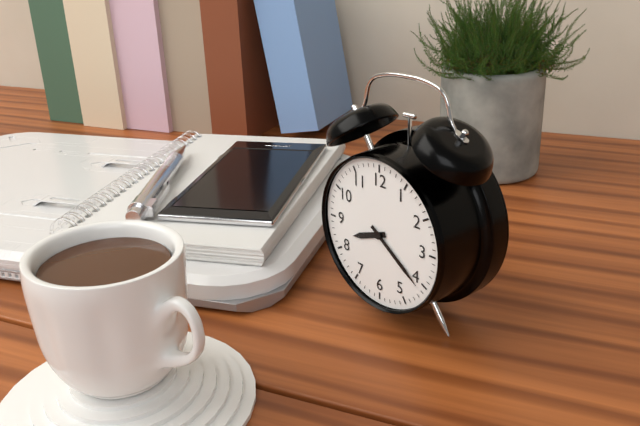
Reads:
{"hour": 8, "minute": 21}
